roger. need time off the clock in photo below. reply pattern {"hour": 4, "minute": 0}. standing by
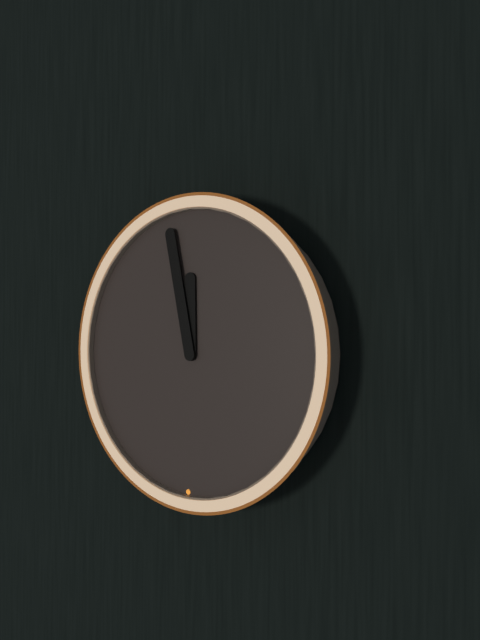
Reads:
{"hour": 11, "minute": 58}
